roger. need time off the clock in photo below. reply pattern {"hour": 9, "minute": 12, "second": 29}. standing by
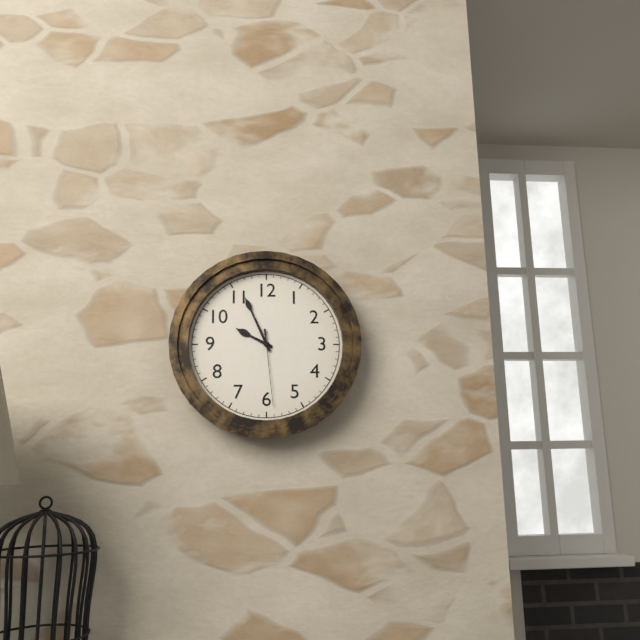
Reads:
{"hour": 9, "minute": 56, "second": 29}
